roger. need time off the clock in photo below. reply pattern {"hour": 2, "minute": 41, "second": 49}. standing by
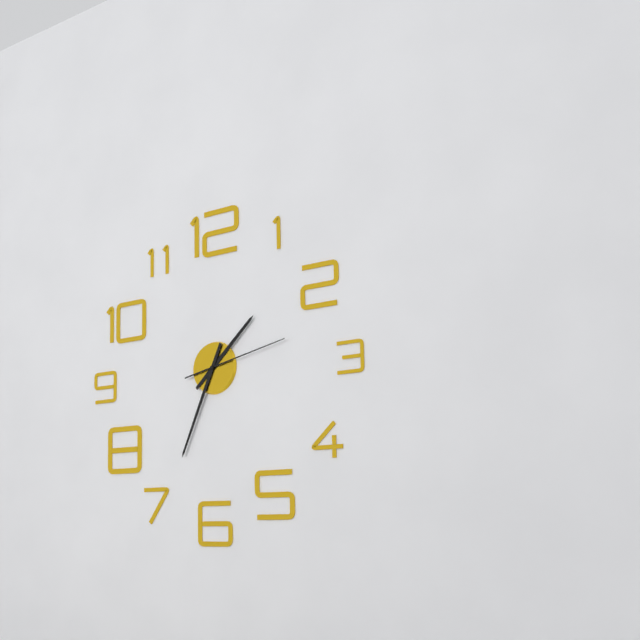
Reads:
{"hour": 1, "minute": 34, "second": 13}
